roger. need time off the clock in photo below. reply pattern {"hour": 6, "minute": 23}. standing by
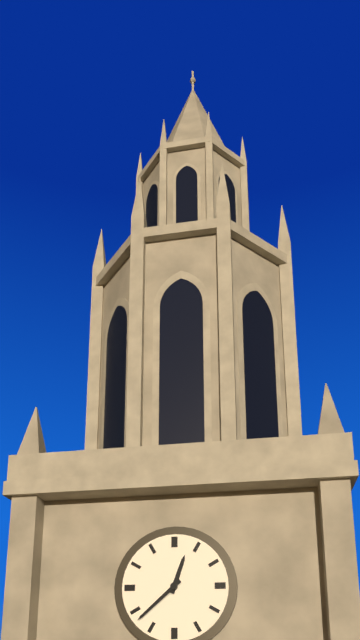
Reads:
{"hour": 12, "minute": 38}
